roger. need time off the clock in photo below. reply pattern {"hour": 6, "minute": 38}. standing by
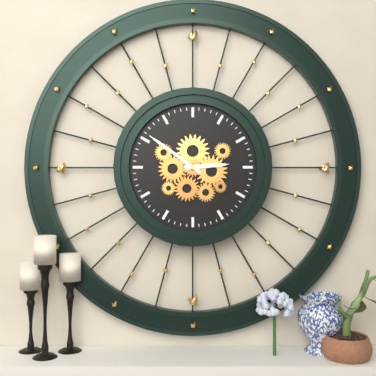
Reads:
{"hour": 2, "minute": 51}
